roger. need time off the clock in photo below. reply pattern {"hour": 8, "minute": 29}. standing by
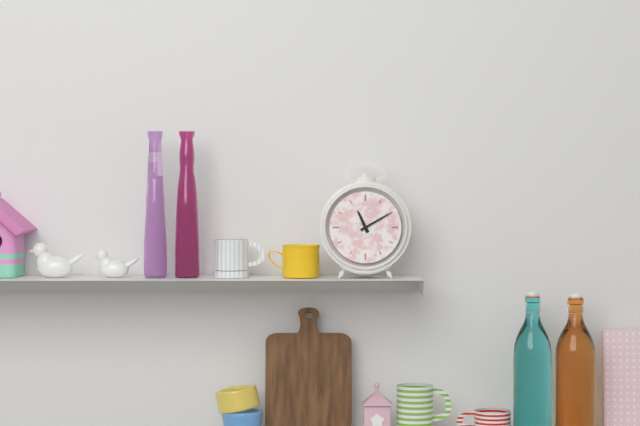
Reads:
{"hour": 11, "minute": 10}
